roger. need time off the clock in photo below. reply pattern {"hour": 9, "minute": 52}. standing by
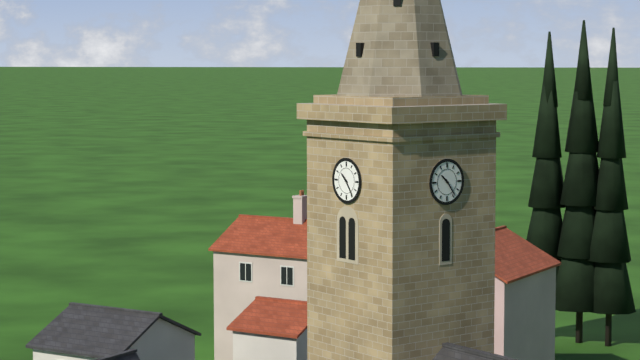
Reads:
{"hour": 10, "minute": 24}
